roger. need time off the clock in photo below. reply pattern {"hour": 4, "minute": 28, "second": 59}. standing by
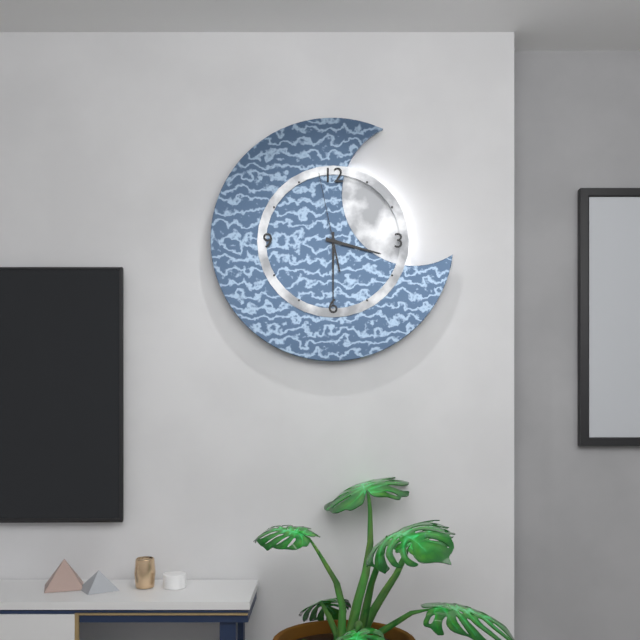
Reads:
{"hour": 3, "minute": 30, "second": 58}
